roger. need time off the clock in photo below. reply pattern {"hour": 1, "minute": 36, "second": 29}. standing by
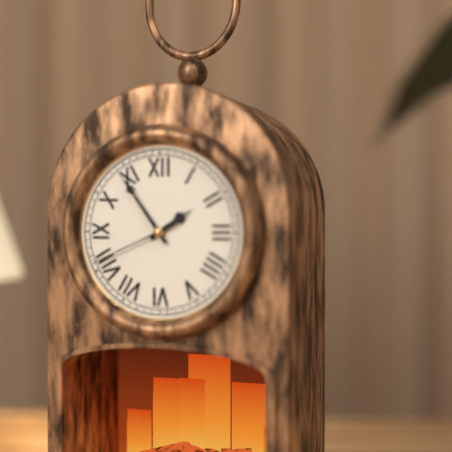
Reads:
{"hour": 1, "minute": 54, "second": 41}
